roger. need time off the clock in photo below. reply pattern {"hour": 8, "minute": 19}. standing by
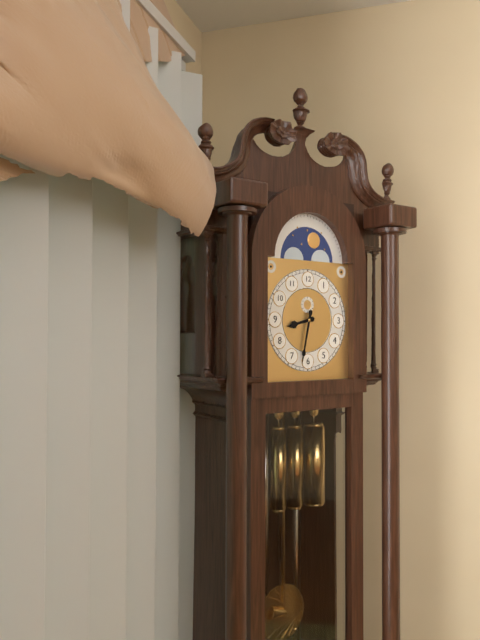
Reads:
{"hour": 8, "minute": 32}
